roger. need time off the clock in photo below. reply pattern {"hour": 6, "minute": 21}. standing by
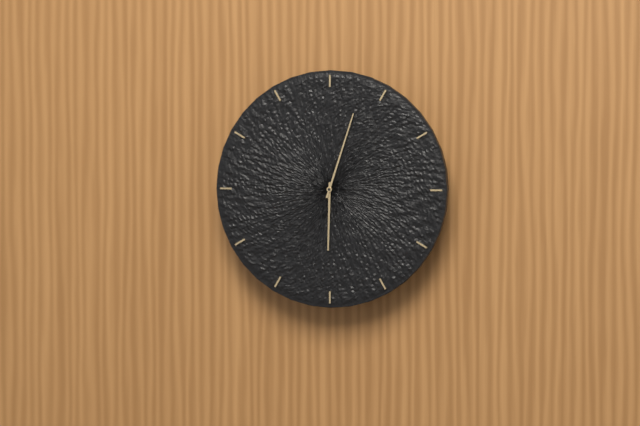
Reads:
{"hour": 6, "minute": 3}
